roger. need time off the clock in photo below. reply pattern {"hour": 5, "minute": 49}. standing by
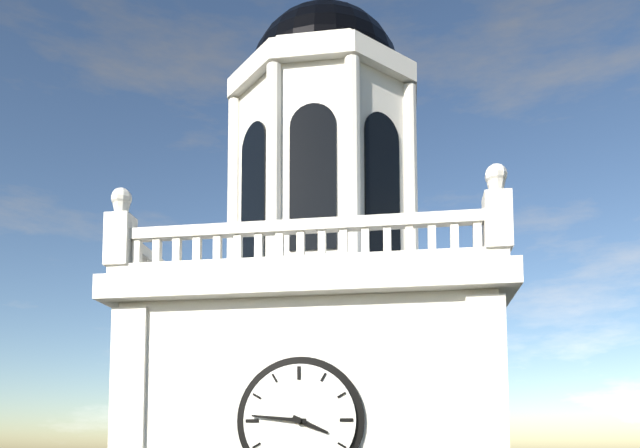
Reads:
{"hour": 3, "minute": 46}
